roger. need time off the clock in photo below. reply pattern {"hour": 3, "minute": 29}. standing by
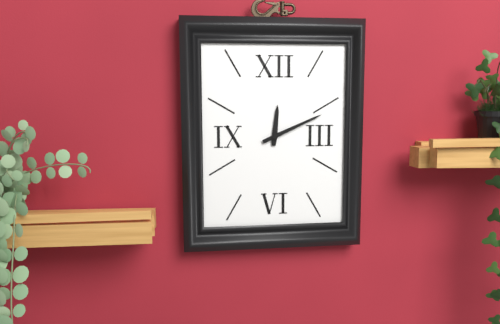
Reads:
{"hour": 12, "minute": 11}
